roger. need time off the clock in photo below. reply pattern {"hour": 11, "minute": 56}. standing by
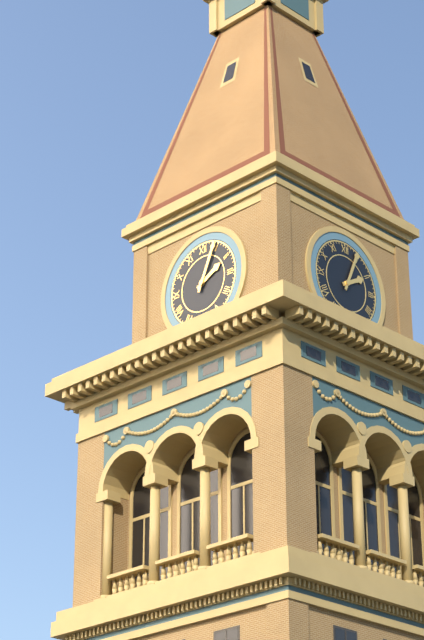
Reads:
{"hour": 2, "minute": 4}
